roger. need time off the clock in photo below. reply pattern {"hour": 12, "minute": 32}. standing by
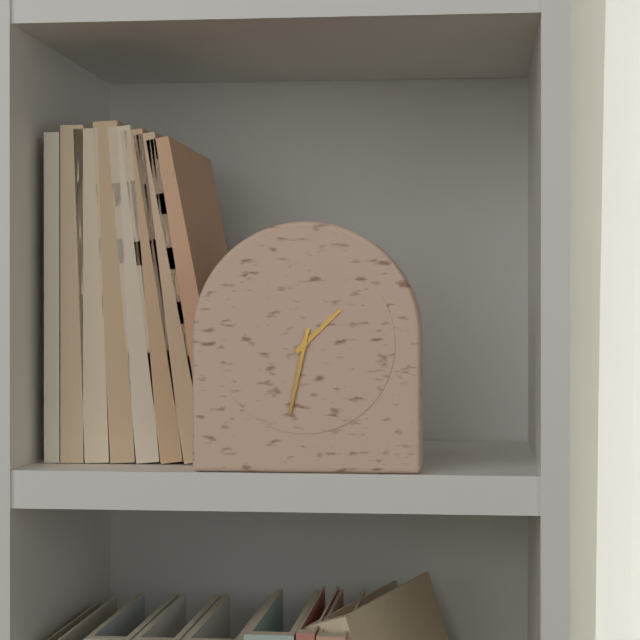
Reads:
{"hour": 1, "minute": 32}
